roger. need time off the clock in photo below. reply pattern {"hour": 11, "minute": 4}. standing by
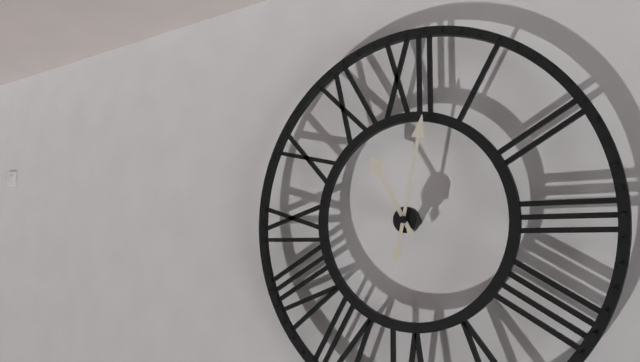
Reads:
{"hour": 11, "minute": 2}
